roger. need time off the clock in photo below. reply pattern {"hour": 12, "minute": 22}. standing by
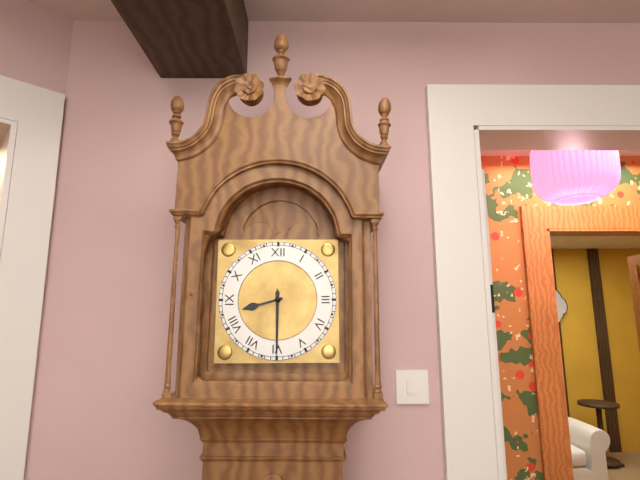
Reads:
{"hour": 8, "minute": 30}
